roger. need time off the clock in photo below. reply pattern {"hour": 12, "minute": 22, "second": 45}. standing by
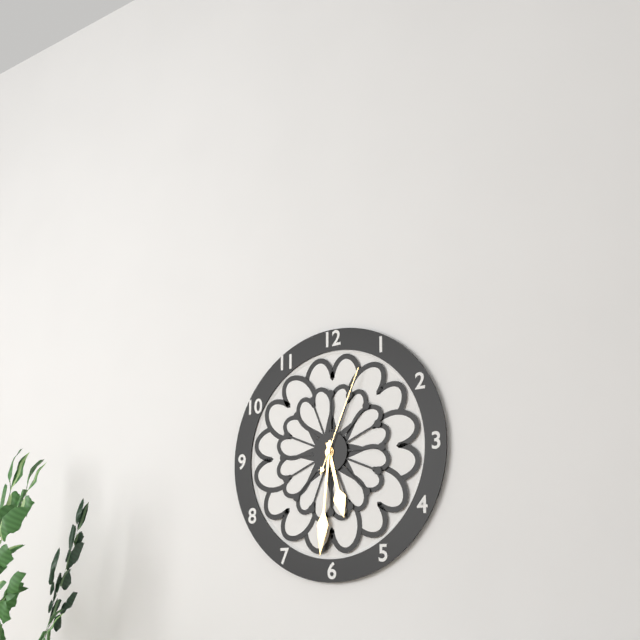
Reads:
{"hour": 5, "minute": 31, "second": 4}
